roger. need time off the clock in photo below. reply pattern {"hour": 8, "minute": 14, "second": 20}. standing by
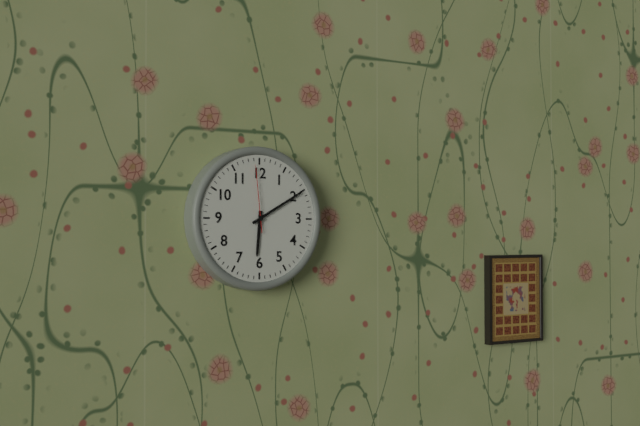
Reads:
{"hour": 6, "minute": 10, "second": 59}
